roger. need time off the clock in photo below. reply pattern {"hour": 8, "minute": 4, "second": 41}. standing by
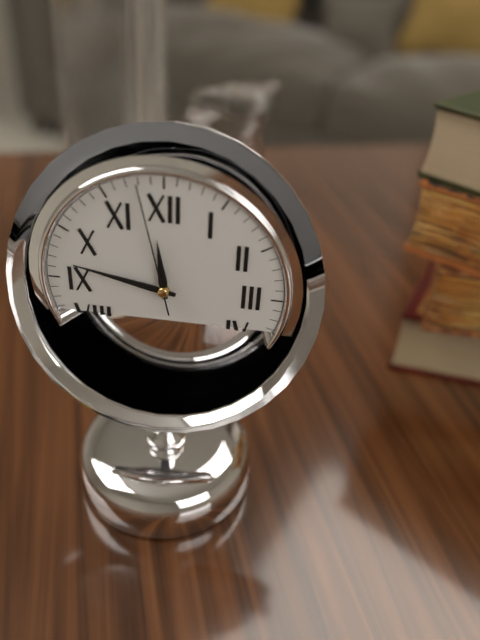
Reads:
{"hour": 11, "minute": 47, "second": 58}
